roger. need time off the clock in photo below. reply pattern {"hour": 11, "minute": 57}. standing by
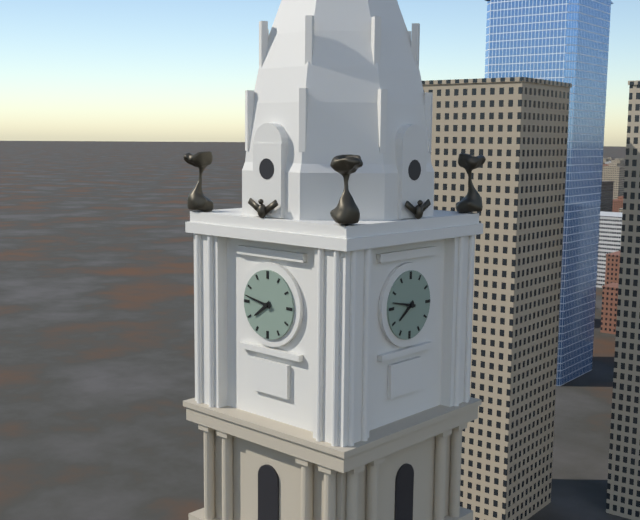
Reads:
{"hour": 7, "minute": 47}
